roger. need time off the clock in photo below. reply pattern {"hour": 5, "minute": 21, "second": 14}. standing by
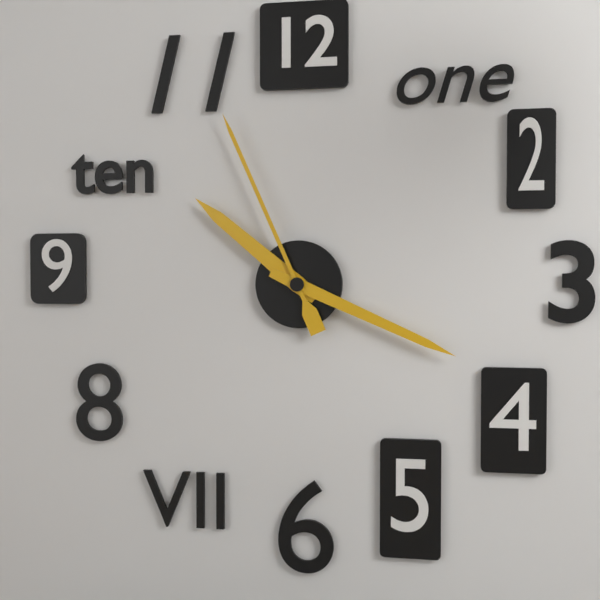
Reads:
{"hour": 10, "minute": 19, "second": 56}
